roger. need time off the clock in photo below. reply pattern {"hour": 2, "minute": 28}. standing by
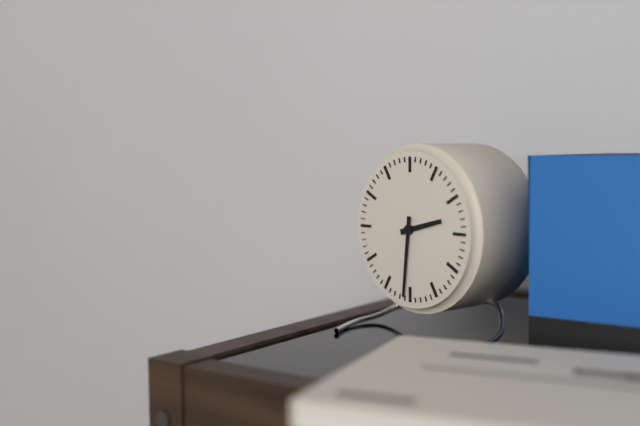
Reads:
{"hour": 2, "minute": 31}
